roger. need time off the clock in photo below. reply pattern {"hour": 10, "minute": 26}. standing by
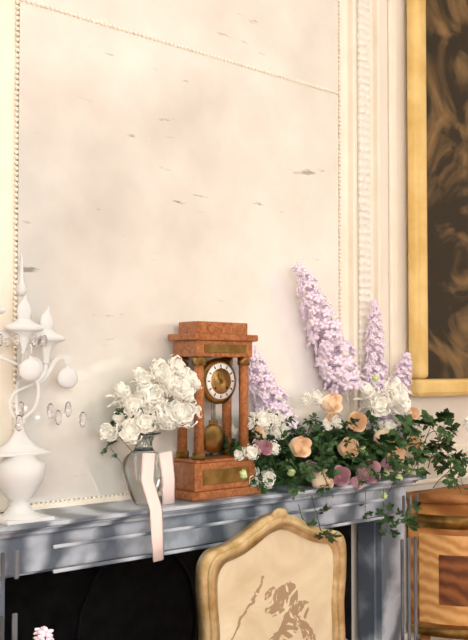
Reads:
{"hour": 10, "minute": 59}
